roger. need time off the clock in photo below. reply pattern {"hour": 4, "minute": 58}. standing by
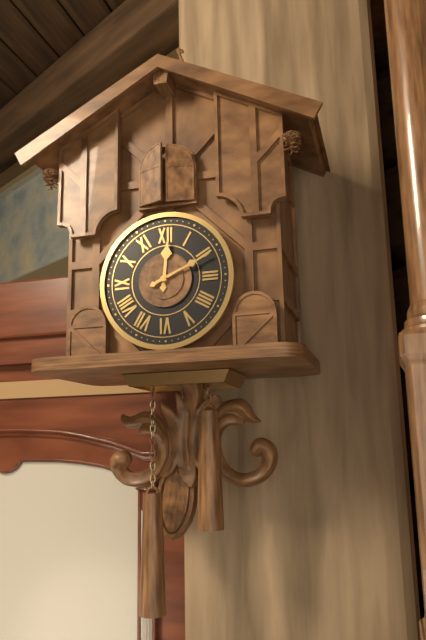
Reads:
{"hour": 12, "minute": 11}
